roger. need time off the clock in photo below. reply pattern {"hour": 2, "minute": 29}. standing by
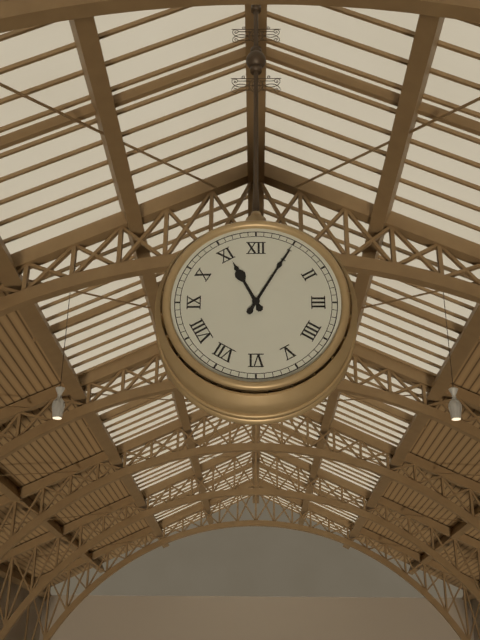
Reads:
{"hour": 11, "minute": 5}
